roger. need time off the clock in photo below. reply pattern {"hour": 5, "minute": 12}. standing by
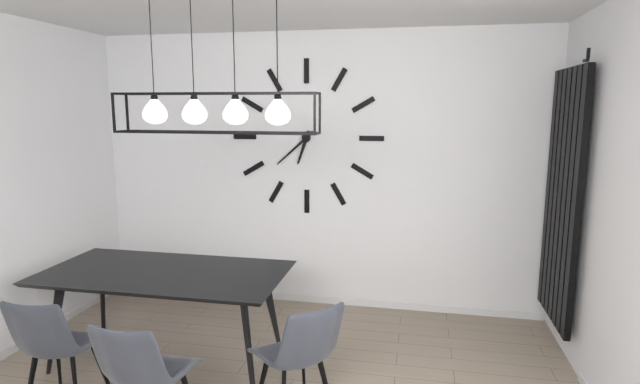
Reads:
{"hour": 6, "minute": 38}
